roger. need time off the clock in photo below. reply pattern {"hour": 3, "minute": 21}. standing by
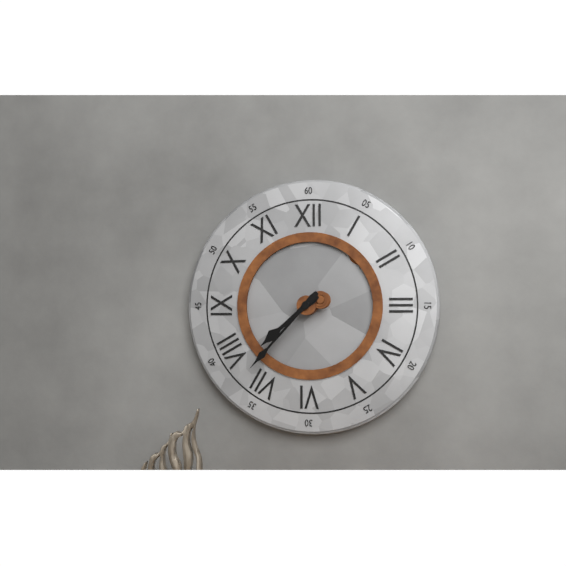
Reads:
{"hour": 7, "minute": 37}
